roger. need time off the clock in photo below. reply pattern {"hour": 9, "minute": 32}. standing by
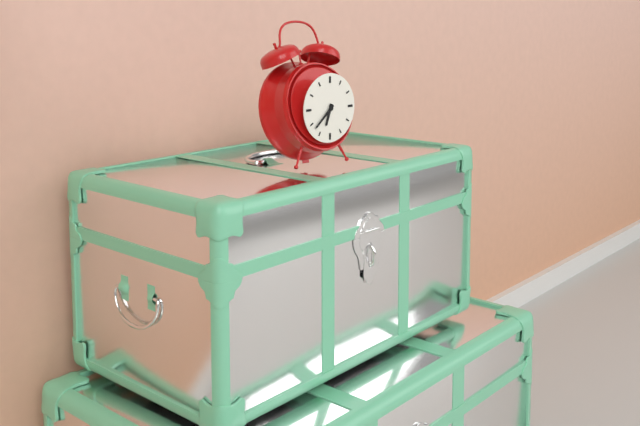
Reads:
{"hour": 6, "minute": 38}
